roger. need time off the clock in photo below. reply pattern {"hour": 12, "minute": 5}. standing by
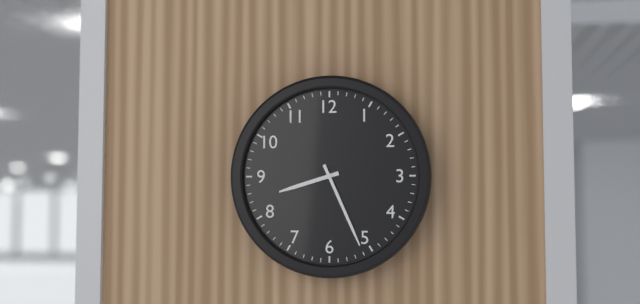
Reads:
{"hour": 8, "minute": 26}
